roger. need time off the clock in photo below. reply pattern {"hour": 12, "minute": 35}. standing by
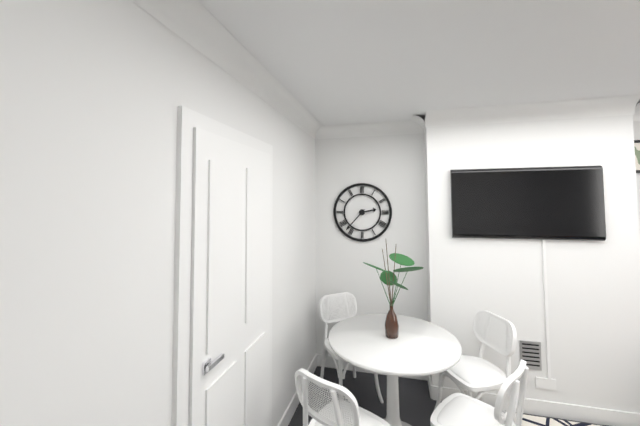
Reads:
{"hour": 2, "minute": 37}
